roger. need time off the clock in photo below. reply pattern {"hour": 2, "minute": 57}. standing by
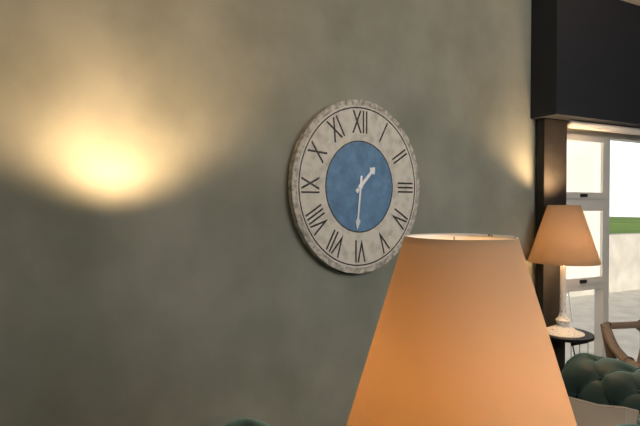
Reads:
{"hour": 1, "minute": 31}
